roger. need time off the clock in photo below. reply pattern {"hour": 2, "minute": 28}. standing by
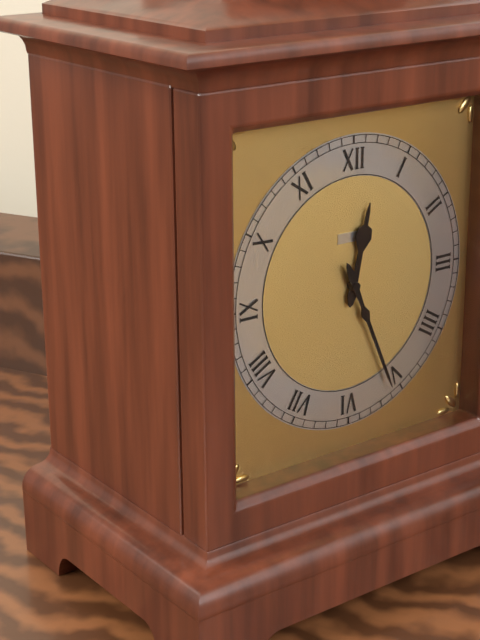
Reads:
{"hour": 12, "minute": 26}
